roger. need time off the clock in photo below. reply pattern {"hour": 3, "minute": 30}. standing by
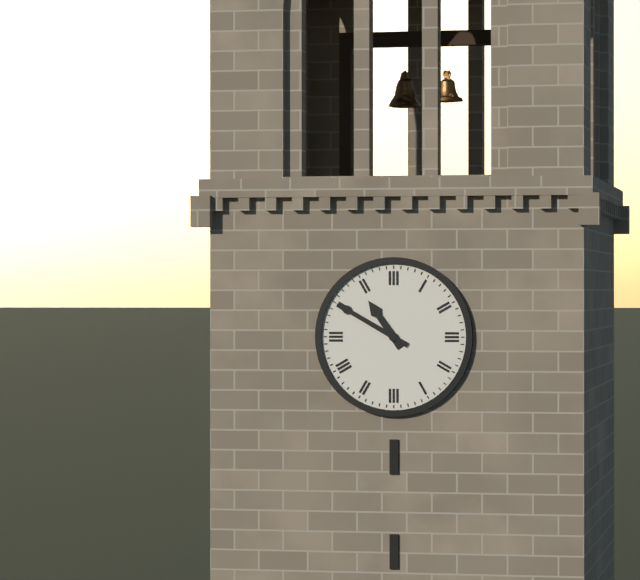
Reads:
{"hour": 10, "minute": 50}
